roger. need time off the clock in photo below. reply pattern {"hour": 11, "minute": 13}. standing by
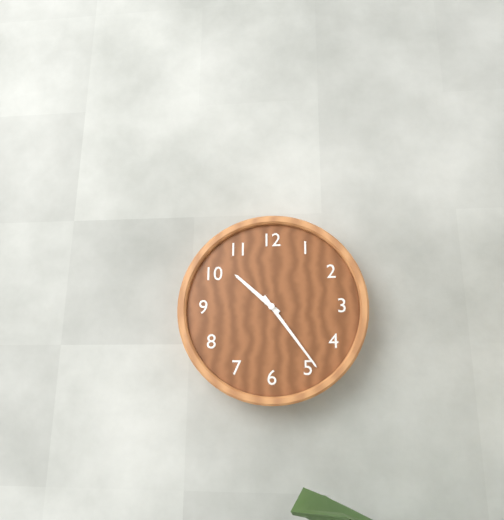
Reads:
{"hour": 10, "minute": 24}
